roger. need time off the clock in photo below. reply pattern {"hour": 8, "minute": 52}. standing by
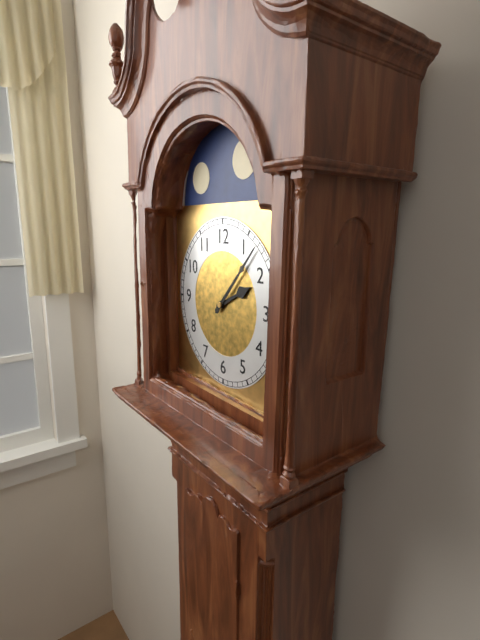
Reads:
{"hour": 2, "minute": 7}
